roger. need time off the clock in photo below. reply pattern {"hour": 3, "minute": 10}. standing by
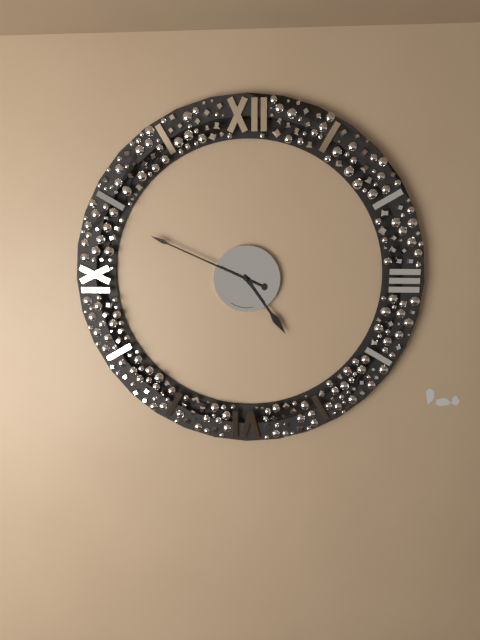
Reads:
{"hour": 4, "minute": 49}
